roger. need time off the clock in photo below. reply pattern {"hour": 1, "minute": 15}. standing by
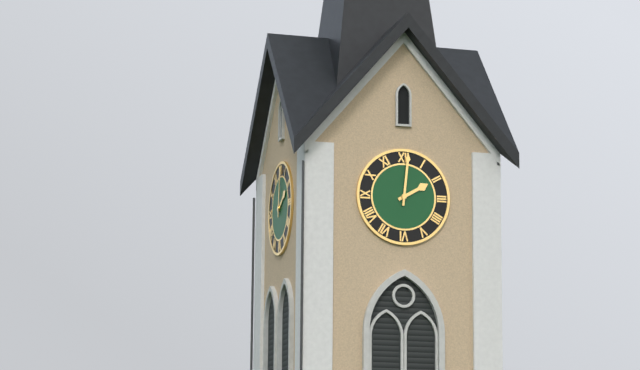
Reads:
{"hour": 2, "minute": 1}
